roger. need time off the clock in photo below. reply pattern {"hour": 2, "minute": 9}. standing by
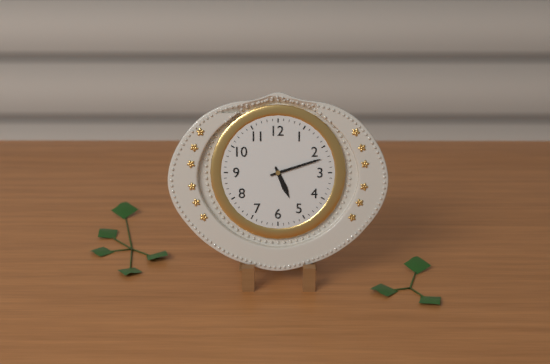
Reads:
{"hour": 5, "minute": 12}
